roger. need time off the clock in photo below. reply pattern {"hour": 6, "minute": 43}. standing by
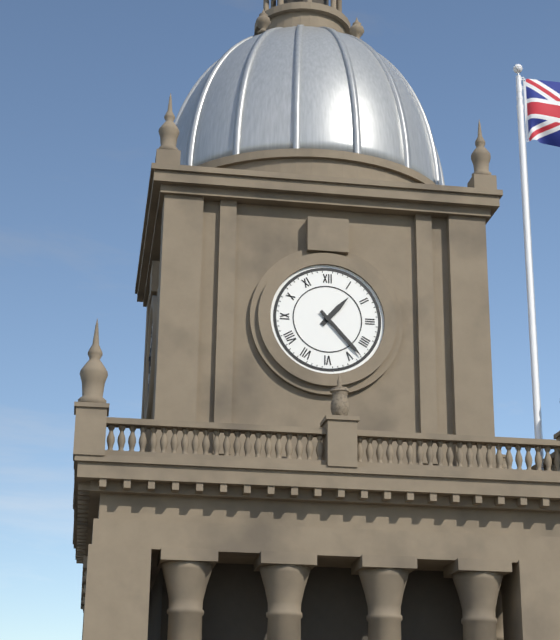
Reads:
{"hour": 1, "minute": 23}
